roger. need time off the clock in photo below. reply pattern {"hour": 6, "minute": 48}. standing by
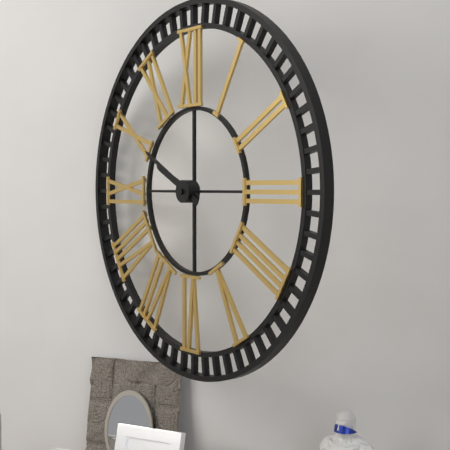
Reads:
{"hour": 9, "minute": 50}
